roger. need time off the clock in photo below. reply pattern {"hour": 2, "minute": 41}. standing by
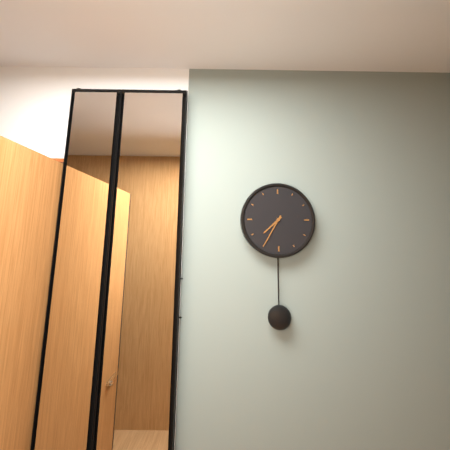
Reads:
{"hour": 7, "minute": 35}
